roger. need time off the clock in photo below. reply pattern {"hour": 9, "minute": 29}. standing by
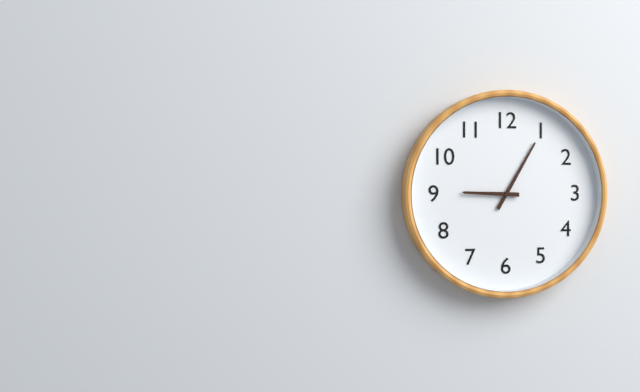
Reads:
{"hour": 9, "minute": 5}
